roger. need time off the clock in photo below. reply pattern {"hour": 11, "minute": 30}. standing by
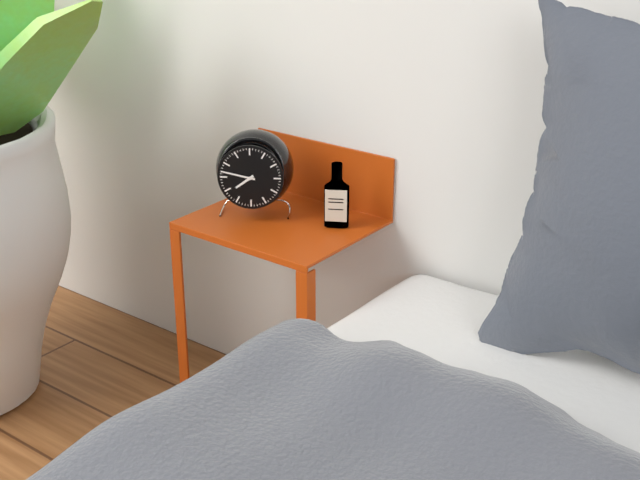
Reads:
{"hour": 7, "minute": 47}
